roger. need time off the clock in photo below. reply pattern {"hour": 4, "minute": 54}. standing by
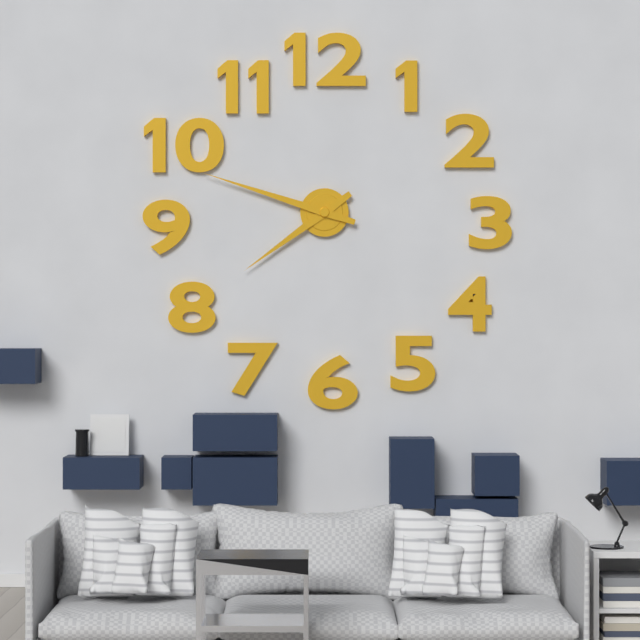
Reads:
{"hour": 7, "minute": 48}
